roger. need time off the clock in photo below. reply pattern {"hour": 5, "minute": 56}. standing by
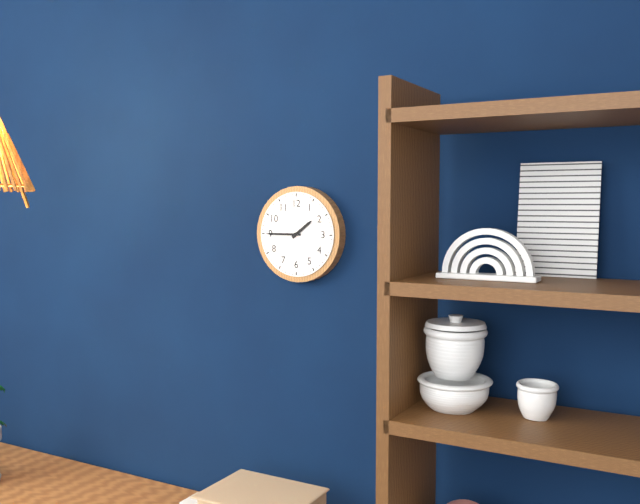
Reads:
{"hour": 1, "minute": 45}
